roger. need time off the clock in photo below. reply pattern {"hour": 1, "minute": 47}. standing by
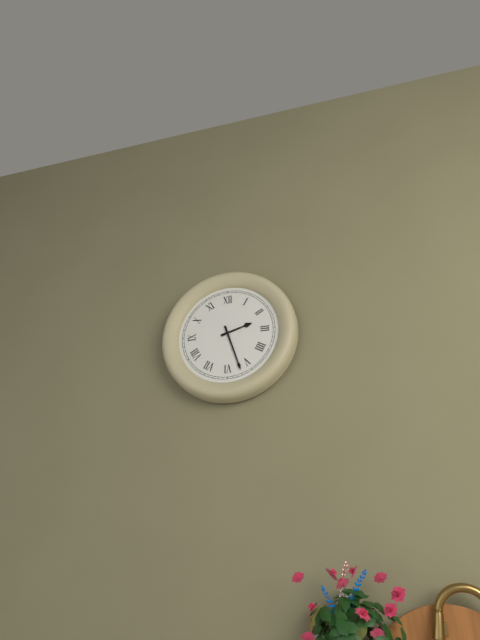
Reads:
{"hour": 2, "minute": 27}
